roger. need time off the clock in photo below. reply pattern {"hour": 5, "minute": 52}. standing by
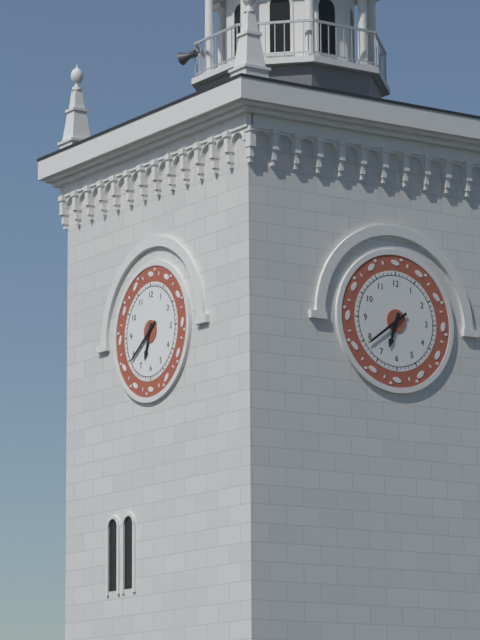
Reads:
{"hour": 6, "minute": 39}
